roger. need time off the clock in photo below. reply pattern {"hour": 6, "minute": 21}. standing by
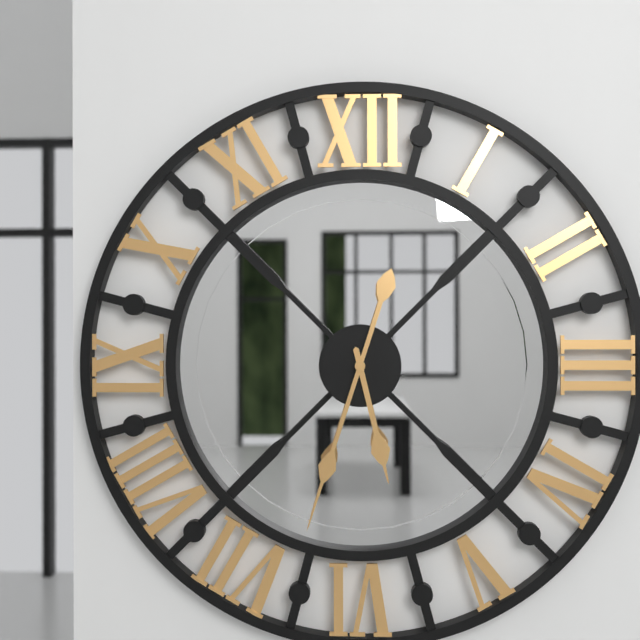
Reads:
{"hour": 5, "minute": 33}
